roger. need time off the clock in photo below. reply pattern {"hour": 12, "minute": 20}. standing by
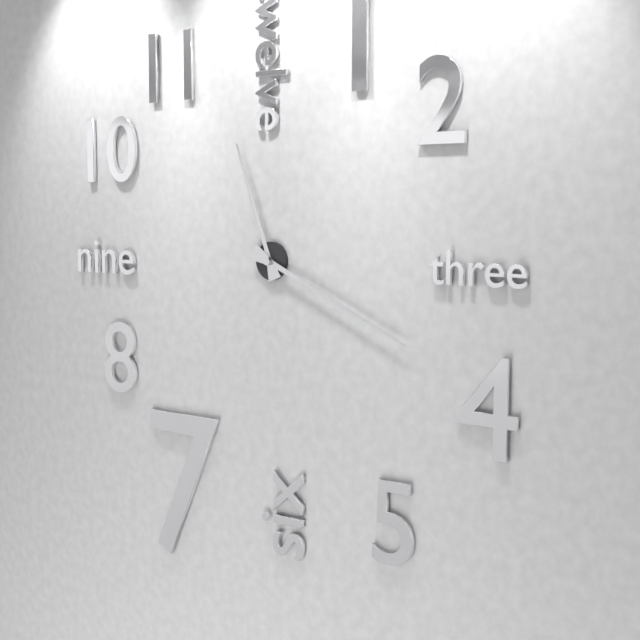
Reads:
{"hour": 11, "minute": 19}
